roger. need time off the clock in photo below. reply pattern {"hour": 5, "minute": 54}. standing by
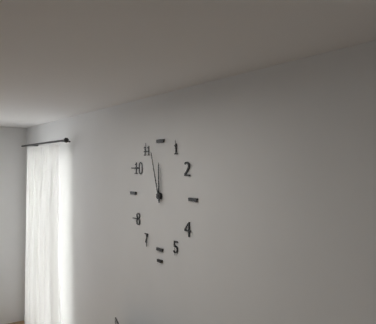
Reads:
{"hour": 11, "minute": 57}
